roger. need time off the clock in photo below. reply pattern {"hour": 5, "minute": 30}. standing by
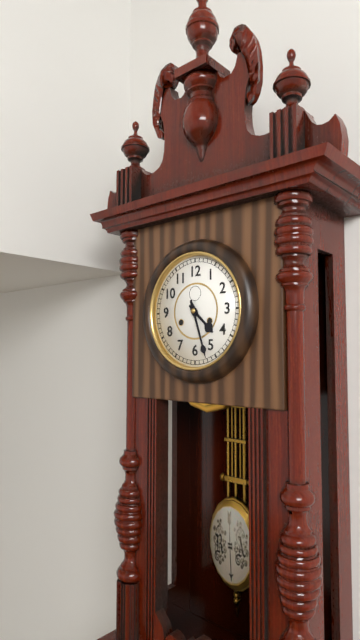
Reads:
{"hour": 4, "minute": 27}
